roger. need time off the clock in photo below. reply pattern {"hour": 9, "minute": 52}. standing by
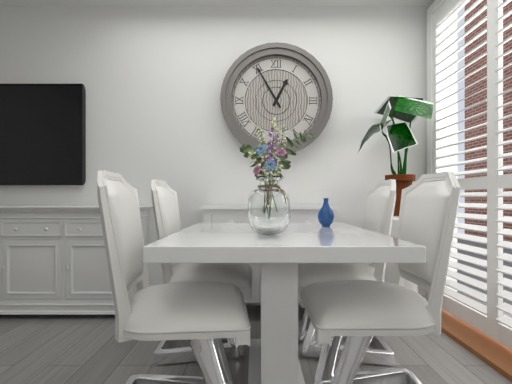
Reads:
{"hour": 12, "minute": 55}
